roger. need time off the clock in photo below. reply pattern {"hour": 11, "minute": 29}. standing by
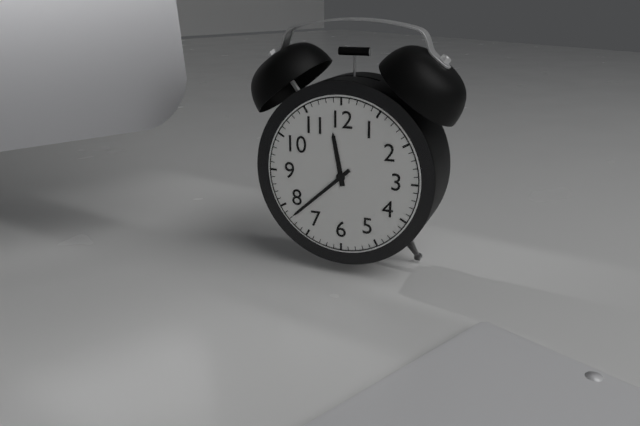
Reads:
{"hour": 11, "minute": 38}
